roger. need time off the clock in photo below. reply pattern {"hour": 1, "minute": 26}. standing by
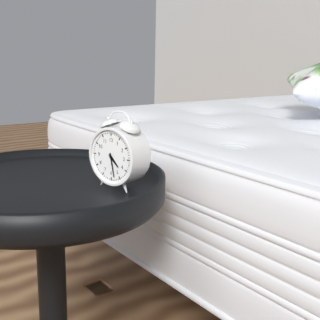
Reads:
{"hour": 4, "minute": 28}
